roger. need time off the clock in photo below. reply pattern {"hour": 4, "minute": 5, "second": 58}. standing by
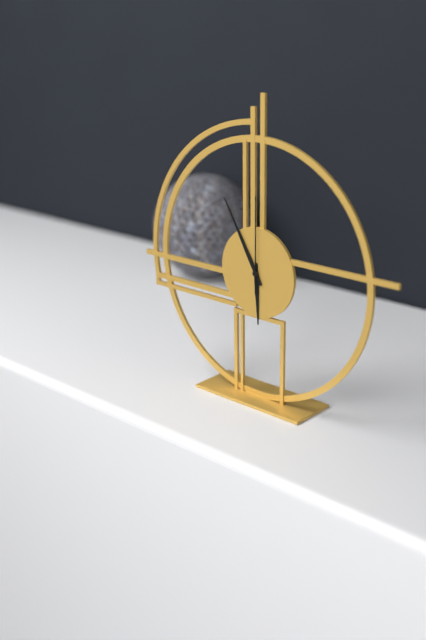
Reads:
{"hour": 5, "minute": 55, "second": 0}
